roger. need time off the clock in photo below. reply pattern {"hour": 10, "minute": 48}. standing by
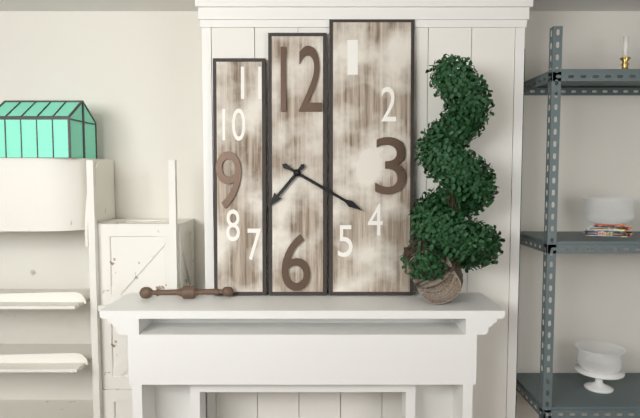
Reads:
{"hour": 7, "minute": 20}
